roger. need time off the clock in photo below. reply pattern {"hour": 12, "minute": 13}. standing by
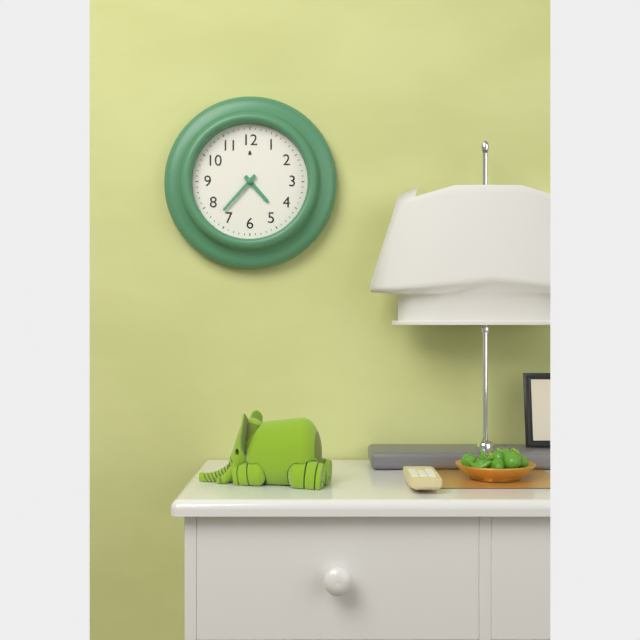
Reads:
{"hour": 4, "minute": 37}
